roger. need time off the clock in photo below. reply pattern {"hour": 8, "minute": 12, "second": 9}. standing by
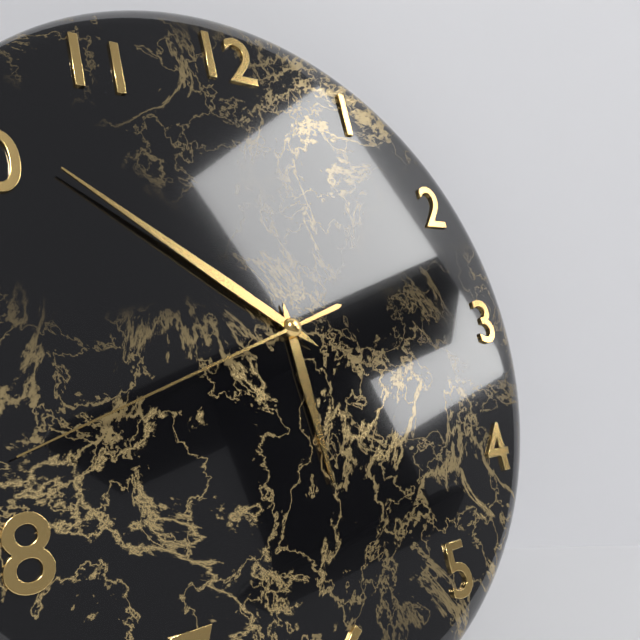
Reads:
{"hour": 5, "minute": 51, "second": 42}
